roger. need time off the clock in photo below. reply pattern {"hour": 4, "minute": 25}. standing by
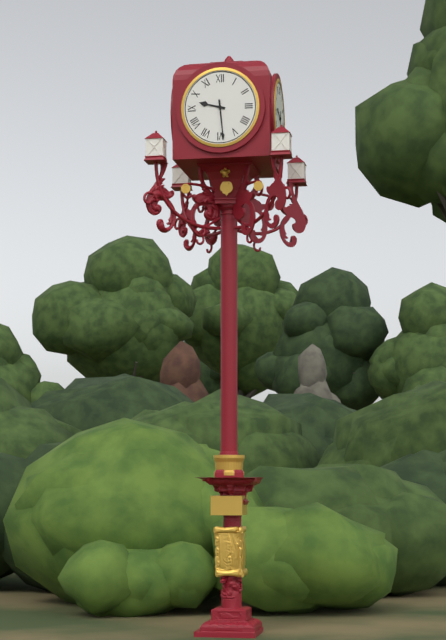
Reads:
{"hour": 9, "minute": 29}
